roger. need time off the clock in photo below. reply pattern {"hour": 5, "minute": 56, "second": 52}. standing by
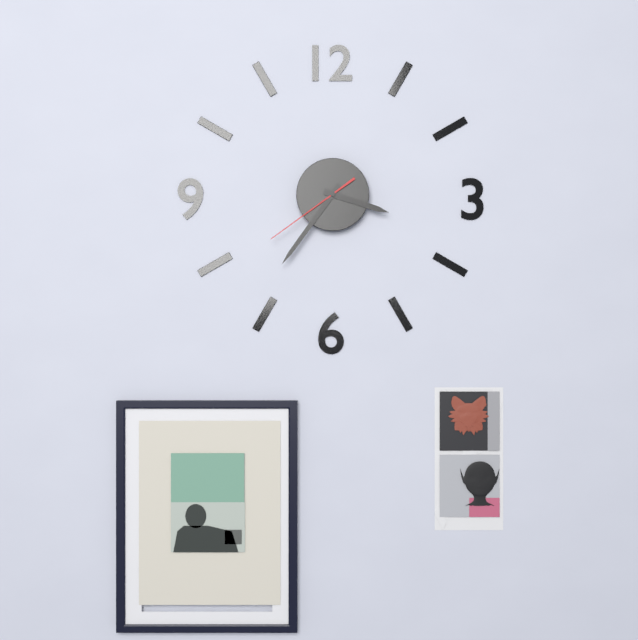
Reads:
{"hour": 3, "minute": 36, "second": 39}
